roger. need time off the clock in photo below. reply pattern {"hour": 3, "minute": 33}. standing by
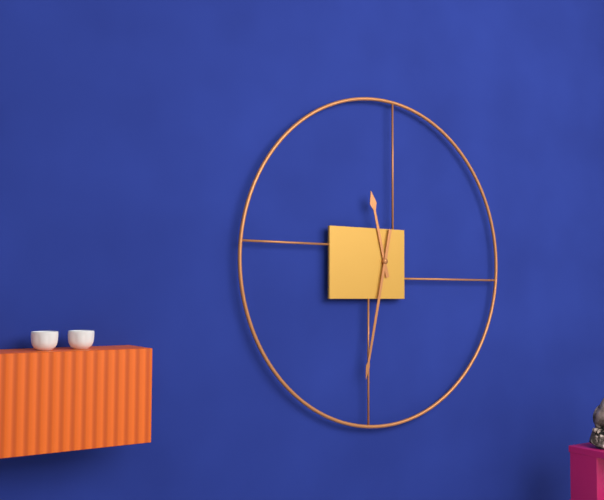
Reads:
{"hour": 11, "minute": 32}
